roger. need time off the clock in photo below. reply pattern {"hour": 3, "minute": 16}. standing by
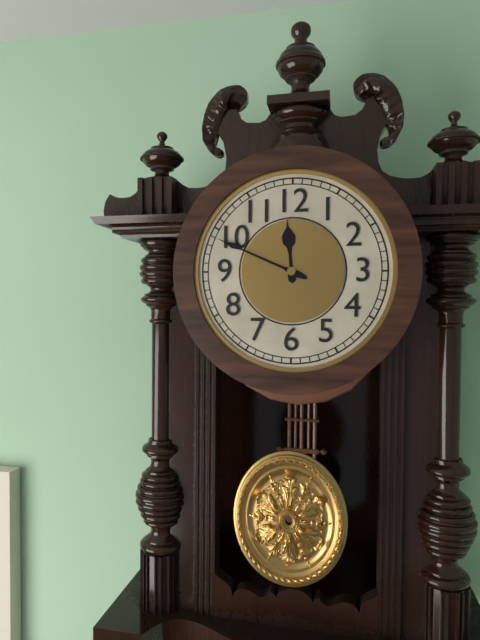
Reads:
{"hour": 11, "minute": 49}
